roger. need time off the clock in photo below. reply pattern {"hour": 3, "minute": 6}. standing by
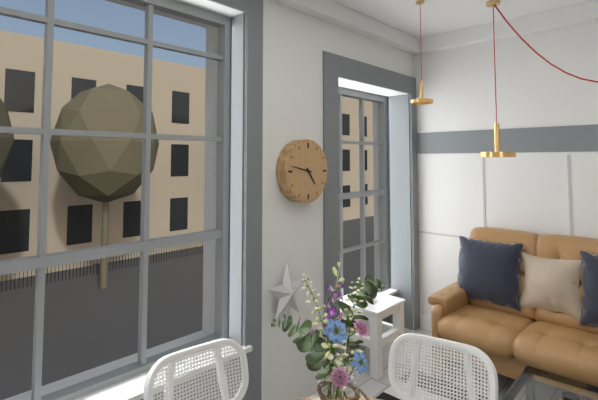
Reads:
{"hour": 4, "minute": 47}
